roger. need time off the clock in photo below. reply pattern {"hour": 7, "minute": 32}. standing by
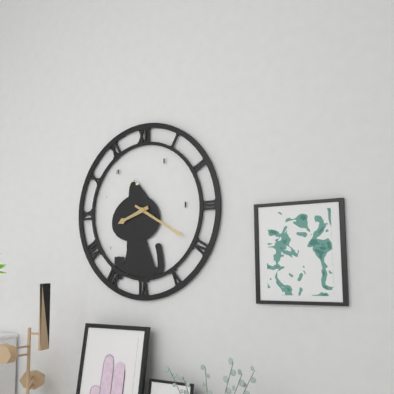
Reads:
{"hour": 8, "minute": 20}
